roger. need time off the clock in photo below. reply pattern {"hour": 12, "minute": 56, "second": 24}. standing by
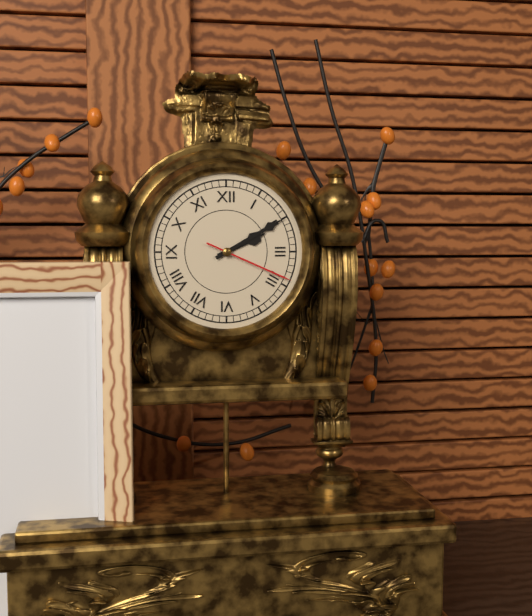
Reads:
{"hour": 2, "minute": 10, "second": 19}
